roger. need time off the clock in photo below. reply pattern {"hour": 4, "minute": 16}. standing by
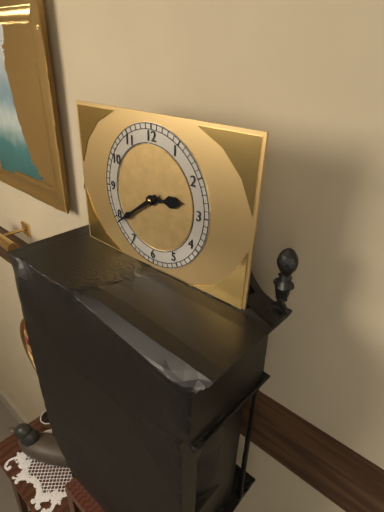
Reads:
{"hour": 2, "minute": 39}
